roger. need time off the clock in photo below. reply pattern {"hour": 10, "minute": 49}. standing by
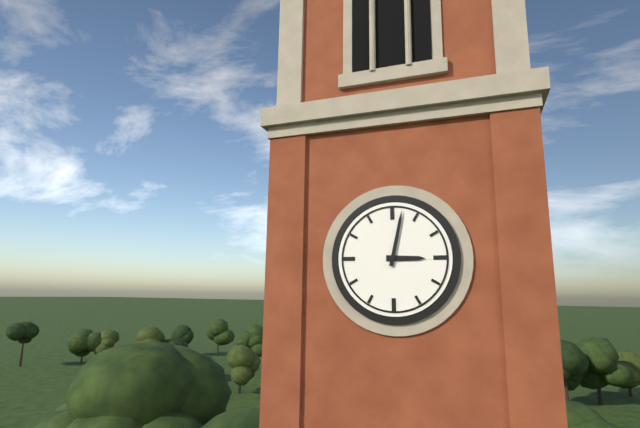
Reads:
{"hour": 3, "minute": 2}
